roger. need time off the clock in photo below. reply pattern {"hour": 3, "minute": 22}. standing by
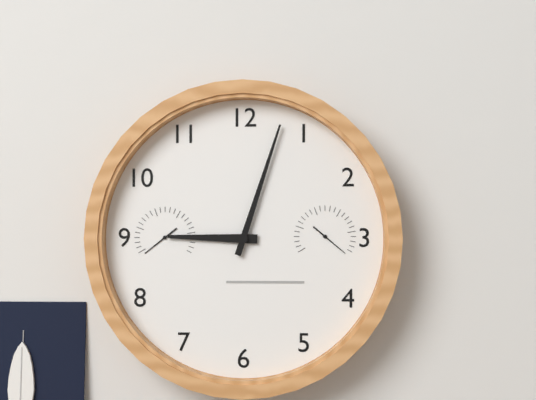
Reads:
{"hour": 9, "minute": 3}
